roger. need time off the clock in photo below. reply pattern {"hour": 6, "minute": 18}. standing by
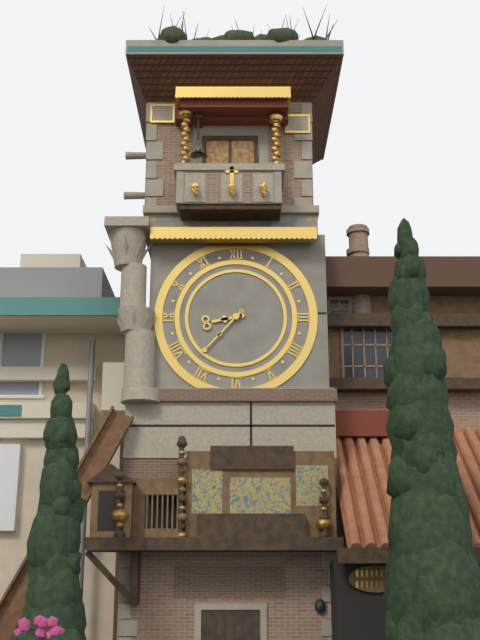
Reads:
{"hour": 8, "minute": 37}
